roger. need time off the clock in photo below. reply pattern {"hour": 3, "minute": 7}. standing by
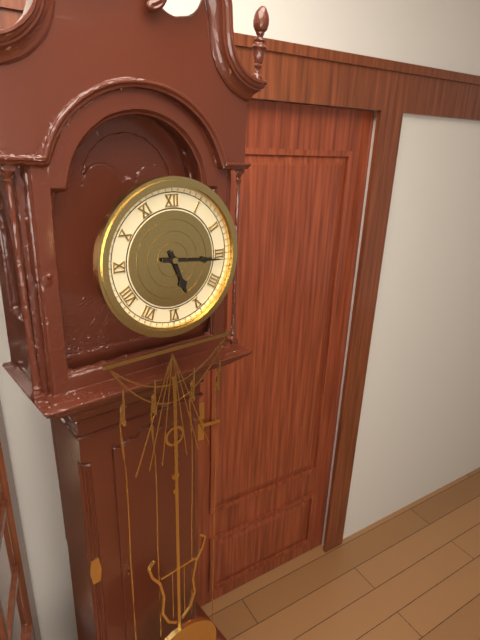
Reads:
{"hour": 5, "minute": 16}
